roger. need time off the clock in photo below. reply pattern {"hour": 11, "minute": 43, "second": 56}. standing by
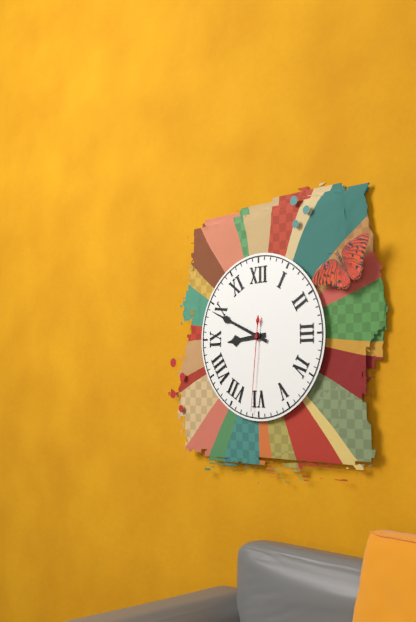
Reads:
{"hour": 8, "minute": 49, "second": 31}
